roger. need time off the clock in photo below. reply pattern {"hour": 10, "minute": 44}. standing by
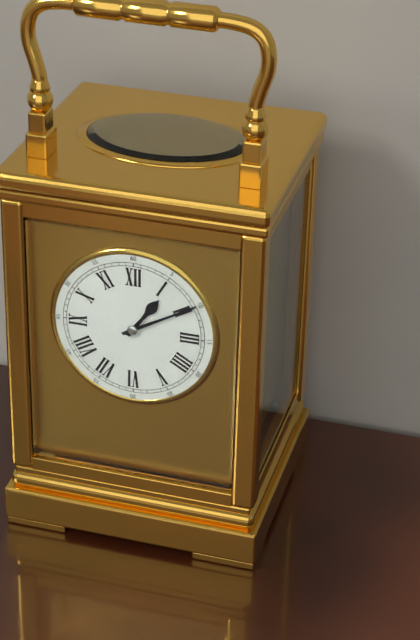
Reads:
{"hour": 1, "minute": 10}
